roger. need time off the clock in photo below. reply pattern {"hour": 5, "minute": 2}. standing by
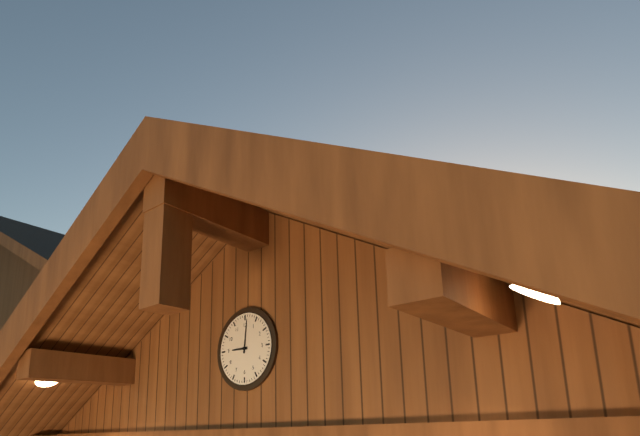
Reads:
{"hour": 9, "minute": 1}
